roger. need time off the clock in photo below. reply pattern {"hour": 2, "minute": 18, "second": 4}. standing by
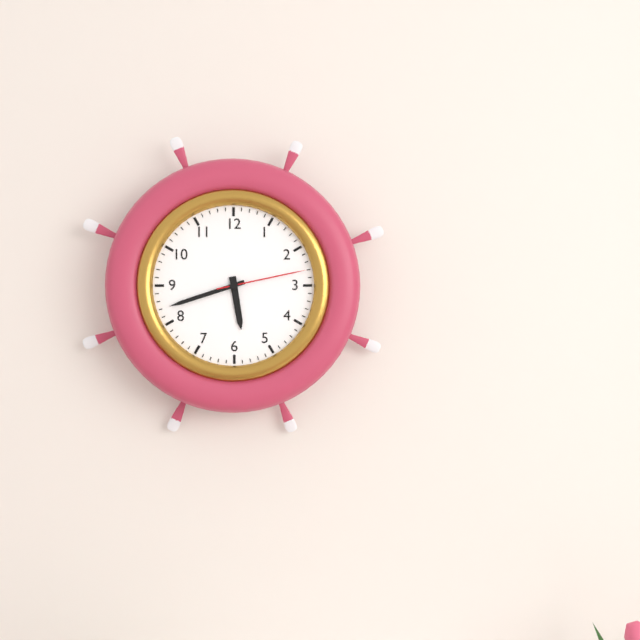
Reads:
{"hour": 5, "minute": 42, "second": 13}
